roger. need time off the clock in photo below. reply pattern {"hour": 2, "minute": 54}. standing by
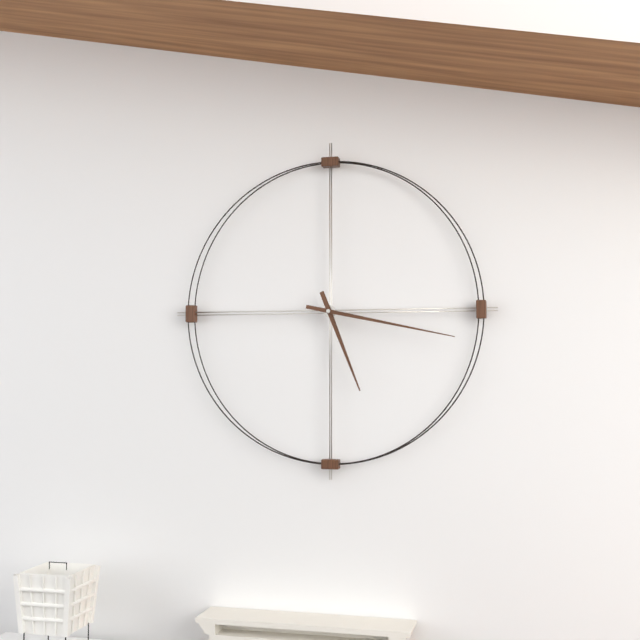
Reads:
{"hour": 5, "minute": 17}
